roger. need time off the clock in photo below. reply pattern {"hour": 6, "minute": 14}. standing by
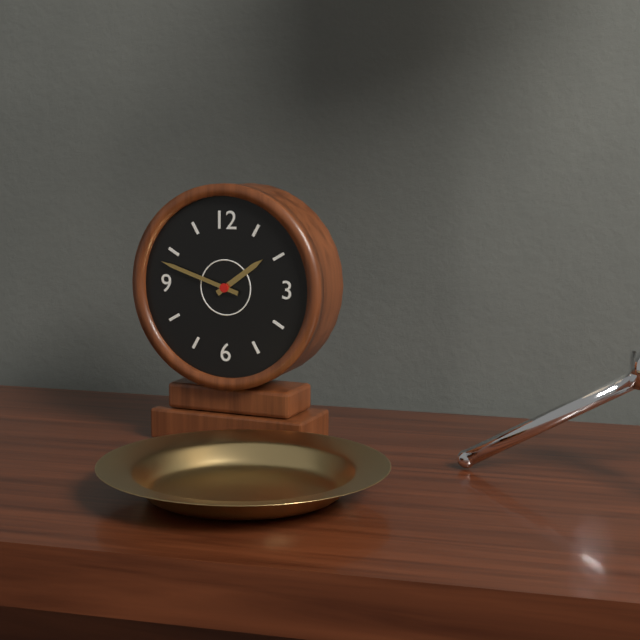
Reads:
{"hour": 1, "minute": 48}
